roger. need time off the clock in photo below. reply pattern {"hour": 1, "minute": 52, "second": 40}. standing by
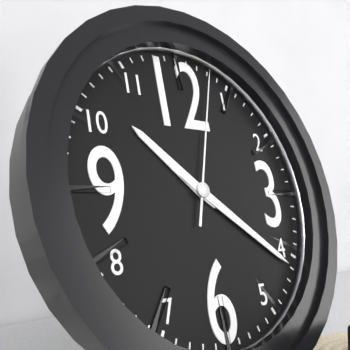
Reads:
{"hour": 10, "minute": 21, "second": 3}
